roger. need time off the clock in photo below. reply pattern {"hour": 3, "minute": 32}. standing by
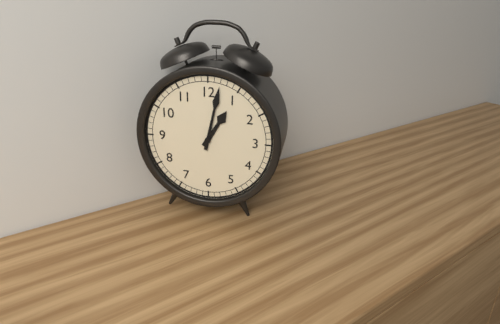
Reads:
{"hour": 1, "minute": 2}
